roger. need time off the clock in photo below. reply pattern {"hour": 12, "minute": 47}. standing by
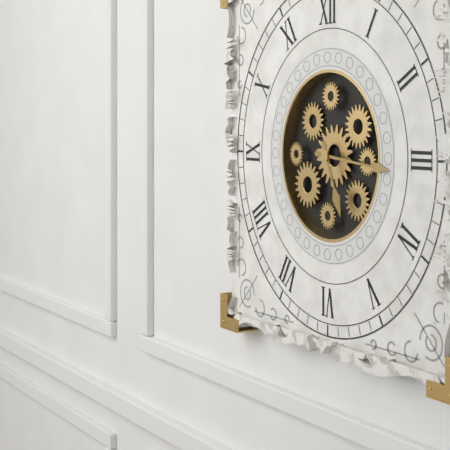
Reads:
{"hour": 5, "minute": 16}
